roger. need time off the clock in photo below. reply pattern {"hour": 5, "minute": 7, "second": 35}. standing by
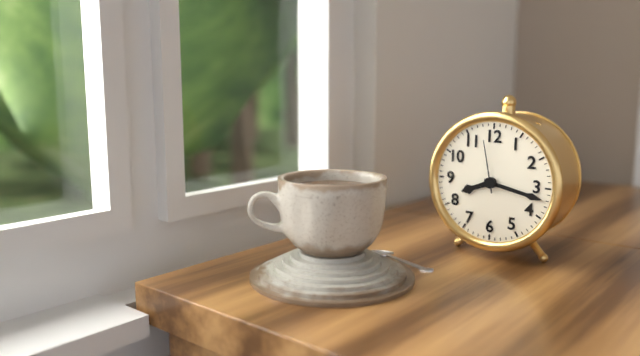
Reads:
{"hour": 8, "minute": 17, "second": 58}
